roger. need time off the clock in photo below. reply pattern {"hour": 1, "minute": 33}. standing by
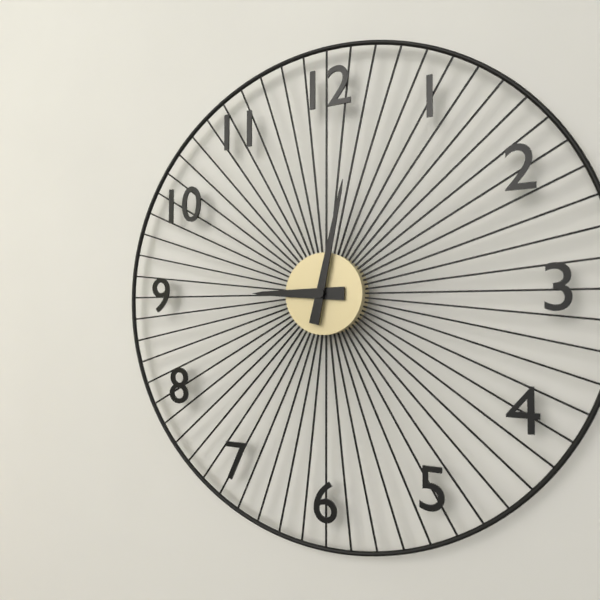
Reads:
{"hour": 9, "minute": 2}
